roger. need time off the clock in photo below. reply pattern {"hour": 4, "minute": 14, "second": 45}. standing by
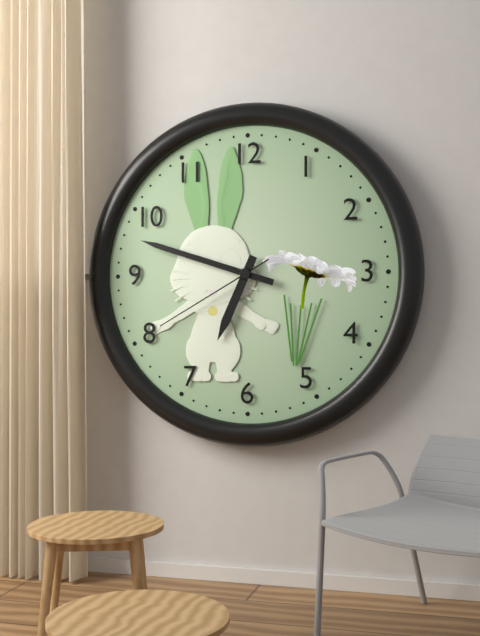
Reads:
{"hour": 6, "minute": 48, "second": 40}
